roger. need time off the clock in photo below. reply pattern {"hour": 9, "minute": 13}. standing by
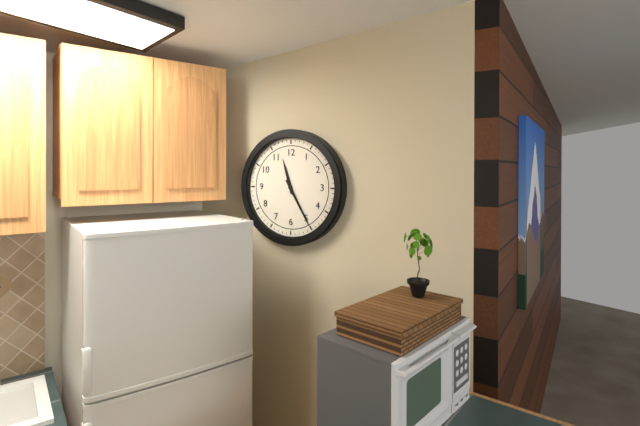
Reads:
{"hour": 11, "minute": 25}
